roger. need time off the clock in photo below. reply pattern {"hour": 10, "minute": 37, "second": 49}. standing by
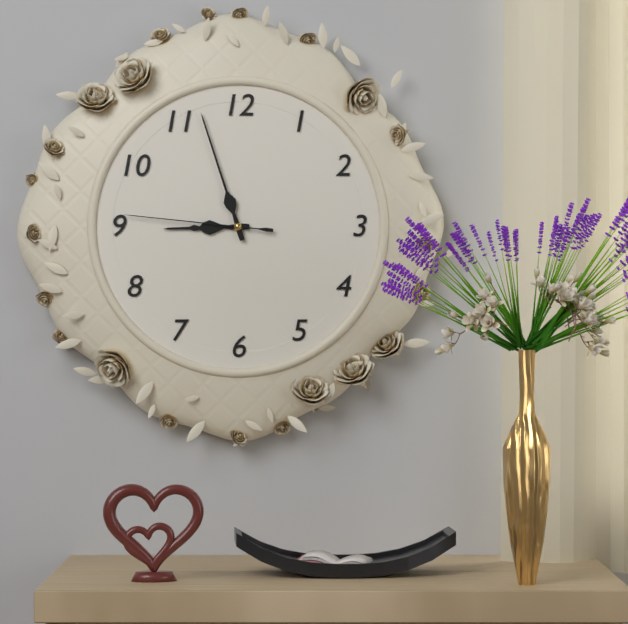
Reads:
{"hour": 8, "minute": 57, "second": 46}
